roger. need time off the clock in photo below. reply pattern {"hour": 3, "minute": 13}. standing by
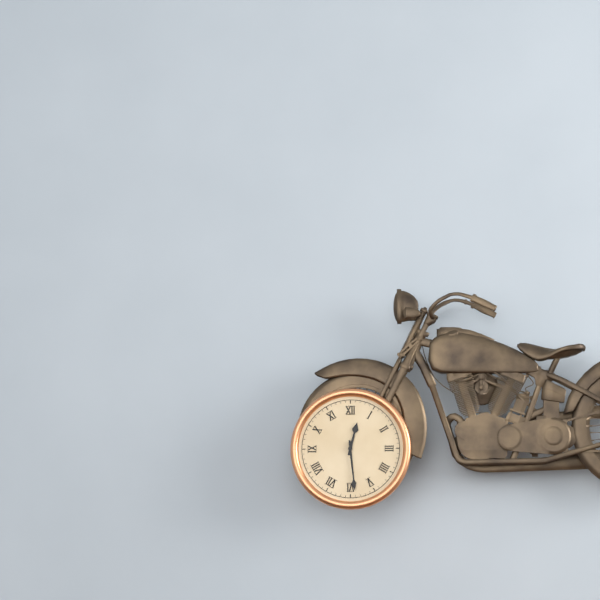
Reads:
{"hour": 12, "minute": 29}
